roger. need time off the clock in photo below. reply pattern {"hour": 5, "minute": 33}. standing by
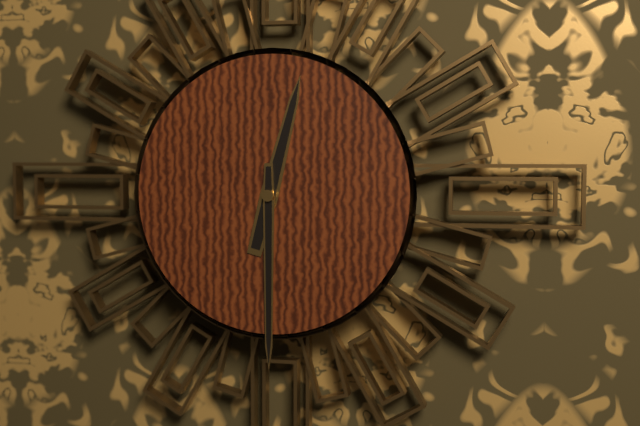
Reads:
{"hour": 12, "minute": 30}
